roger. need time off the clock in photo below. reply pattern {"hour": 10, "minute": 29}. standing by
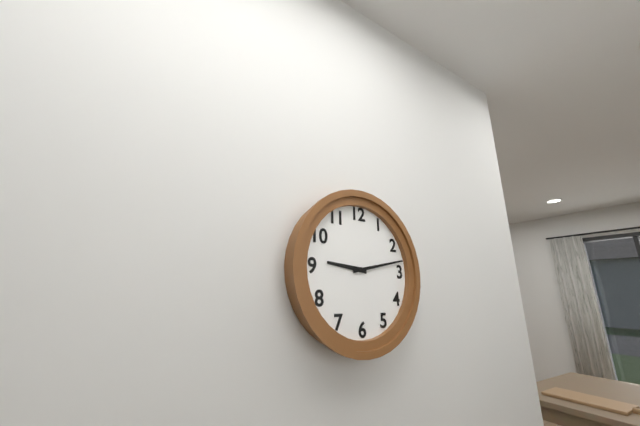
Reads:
{"hour": 9, "minute": 13}
